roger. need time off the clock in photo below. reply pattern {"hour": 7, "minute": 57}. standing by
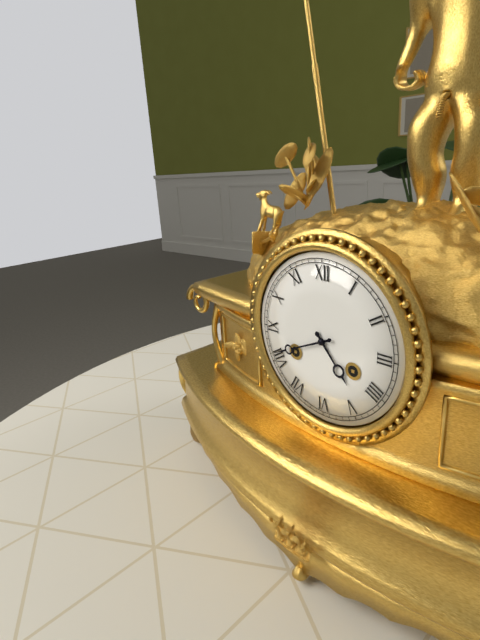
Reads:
{"hour": 4, "minute": 41}
